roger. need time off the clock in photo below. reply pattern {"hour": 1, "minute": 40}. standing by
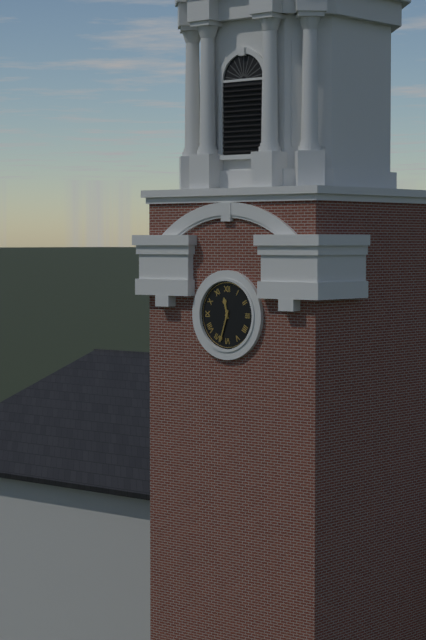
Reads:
{"hour": 11, "minute": 33}
